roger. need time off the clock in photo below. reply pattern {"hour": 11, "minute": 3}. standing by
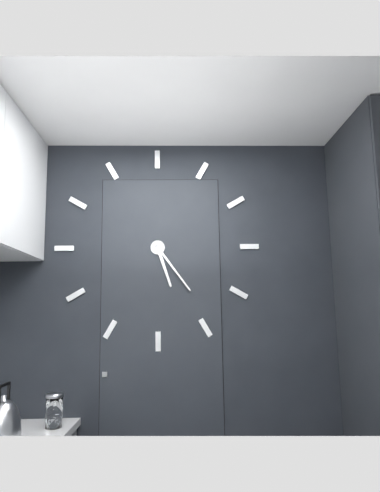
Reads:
{"hour": 5, "minute": 24}
